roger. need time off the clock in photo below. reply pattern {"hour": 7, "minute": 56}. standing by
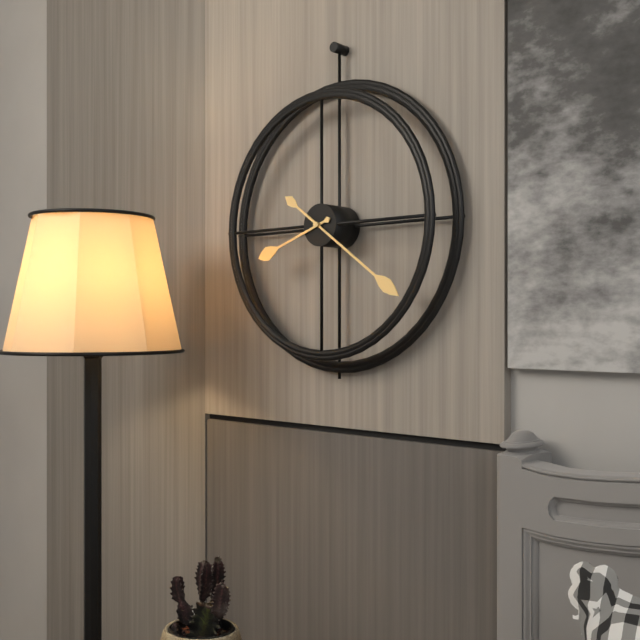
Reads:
{"hour": 8, "minute": 21}
